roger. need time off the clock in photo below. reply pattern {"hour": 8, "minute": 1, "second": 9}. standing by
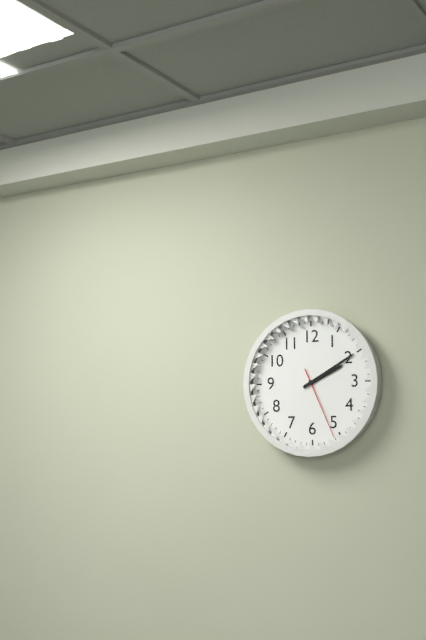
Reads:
{"hour": 2, "minute": 10, "second": 26}
